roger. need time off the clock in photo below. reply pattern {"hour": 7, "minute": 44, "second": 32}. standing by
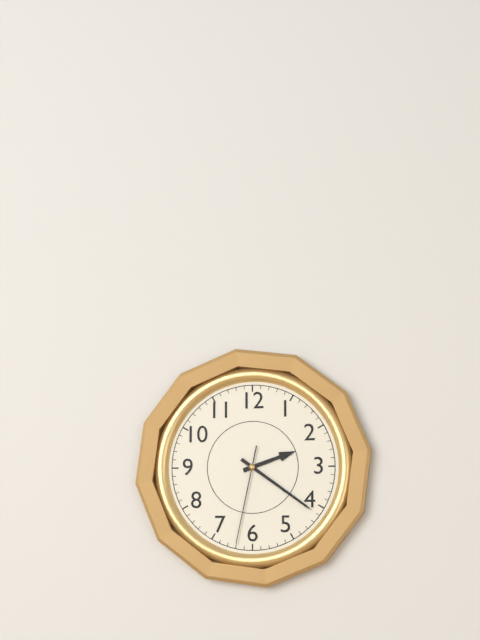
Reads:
{"hour": 2, "minute": 21, "second": 32}
